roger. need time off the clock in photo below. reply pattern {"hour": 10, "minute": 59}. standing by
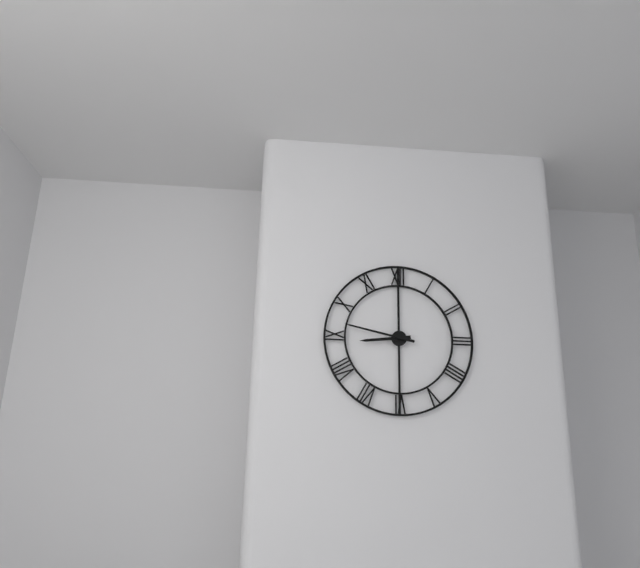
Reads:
{"hour": 8, "minute": 47}
